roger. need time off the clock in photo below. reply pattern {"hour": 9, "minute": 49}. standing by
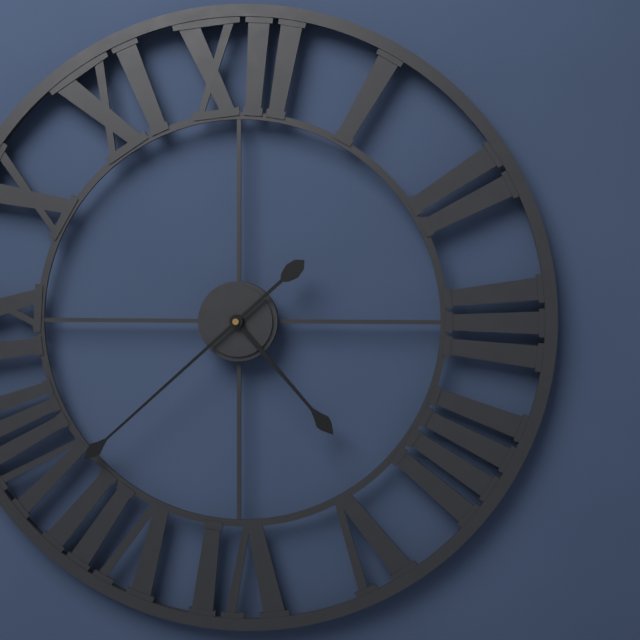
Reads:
{"hour": 4, "minute": 38}
